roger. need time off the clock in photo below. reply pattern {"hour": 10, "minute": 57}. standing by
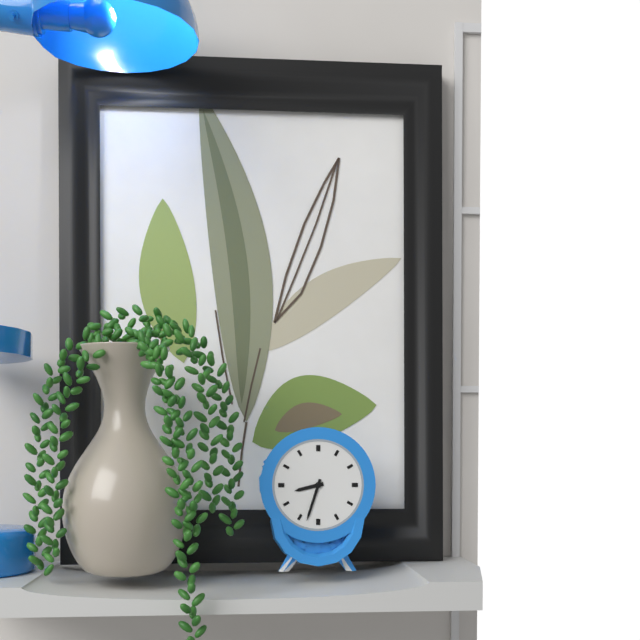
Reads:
{"hour": 8, "minute": 33}
